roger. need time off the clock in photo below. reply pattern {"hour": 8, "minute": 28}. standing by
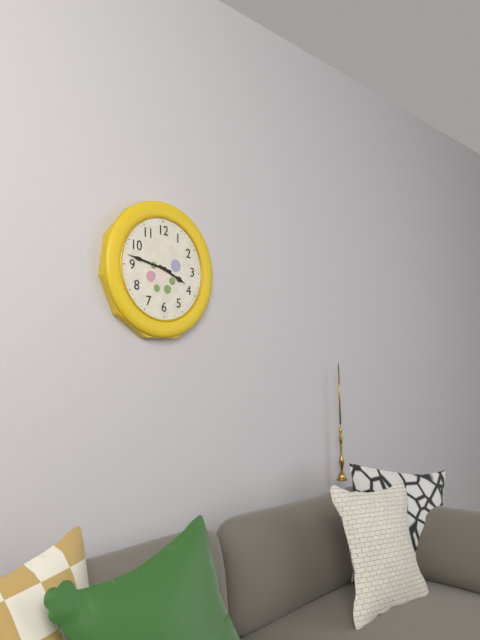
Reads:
{"hour": 3, "minute": 47}
